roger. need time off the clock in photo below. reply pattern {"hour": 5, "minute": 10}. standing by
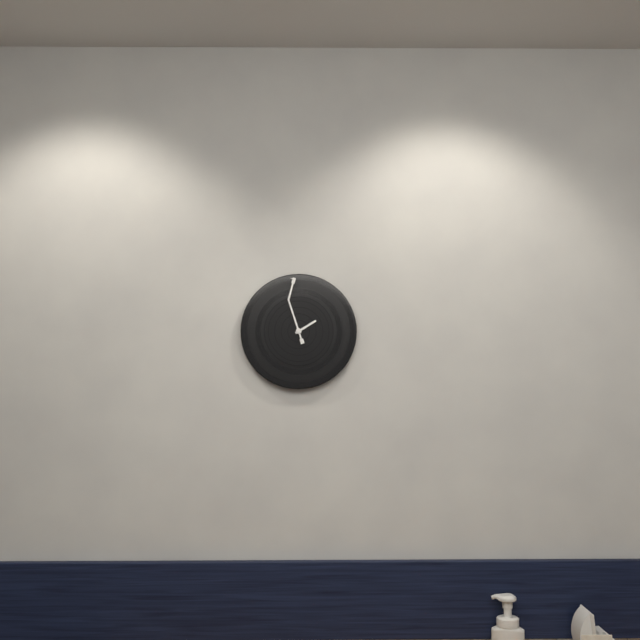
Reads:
{"hour": 1, "minute": 57}
